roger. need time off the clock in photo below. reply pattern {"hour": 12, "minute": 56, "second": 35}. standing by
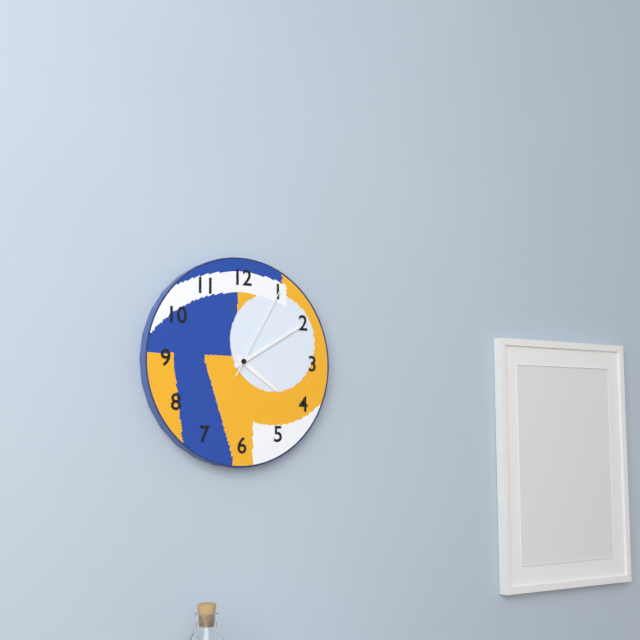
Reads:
{"hour": 4, "minute": 10, "second": 5}
